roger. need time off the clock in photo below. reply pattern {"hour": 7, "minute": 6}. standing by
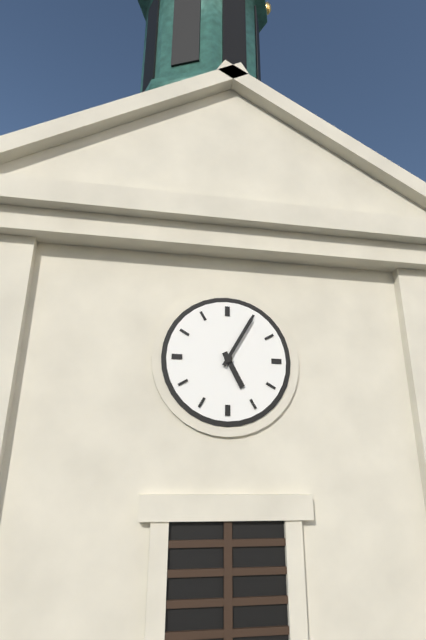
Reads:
{"hour": 5, "minute": 5}
